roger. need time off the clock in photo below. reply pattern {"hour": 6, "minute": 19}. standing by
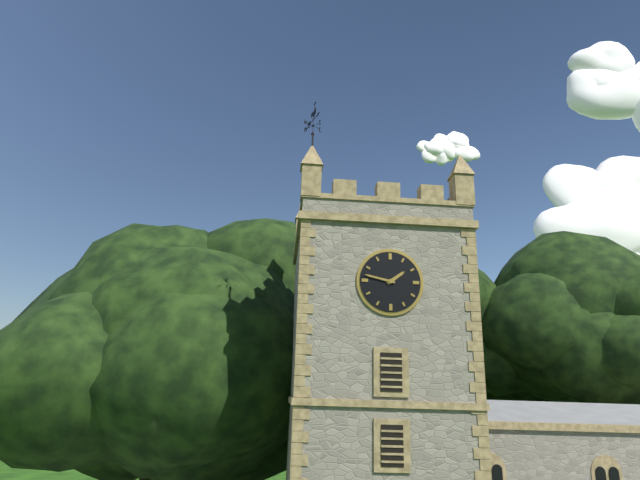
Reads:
{"hour": 1, "minute": 47}
